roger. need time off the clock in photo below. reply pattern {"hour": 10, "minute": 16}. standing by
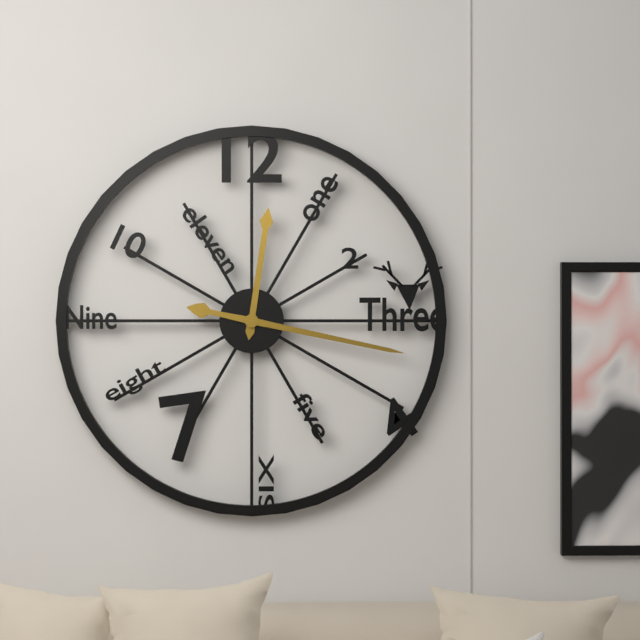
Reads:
{"hour": 12, "minute": 17}
